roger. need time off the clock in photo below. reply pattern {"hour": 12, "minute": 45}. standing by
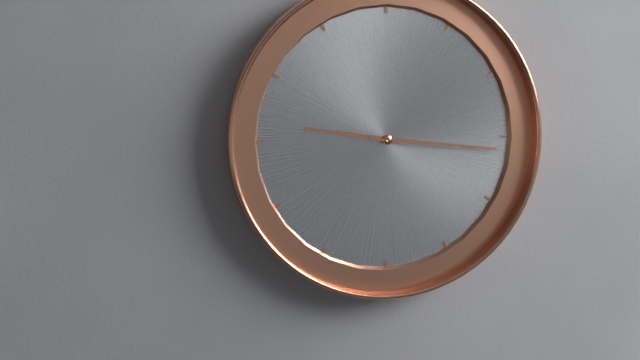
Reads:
{"hour": 9, "minute": 16}
